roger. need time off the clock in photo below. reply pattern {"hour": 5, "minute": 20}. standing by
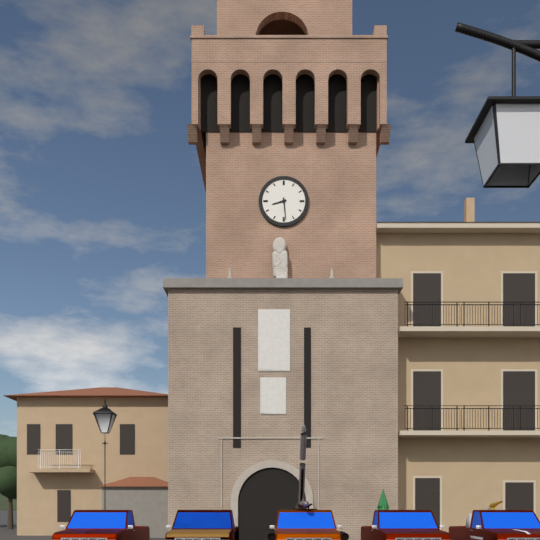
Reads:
{"hour": 8, "minute": 29}
